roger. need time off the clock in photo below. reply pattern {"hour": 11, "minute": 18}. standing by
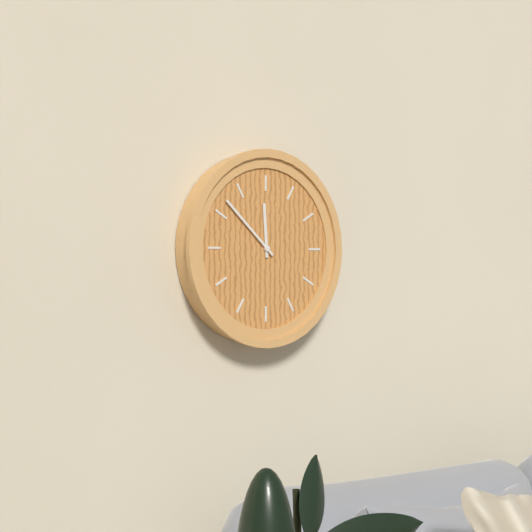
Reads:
{"hour": 11, "minute": 52}
